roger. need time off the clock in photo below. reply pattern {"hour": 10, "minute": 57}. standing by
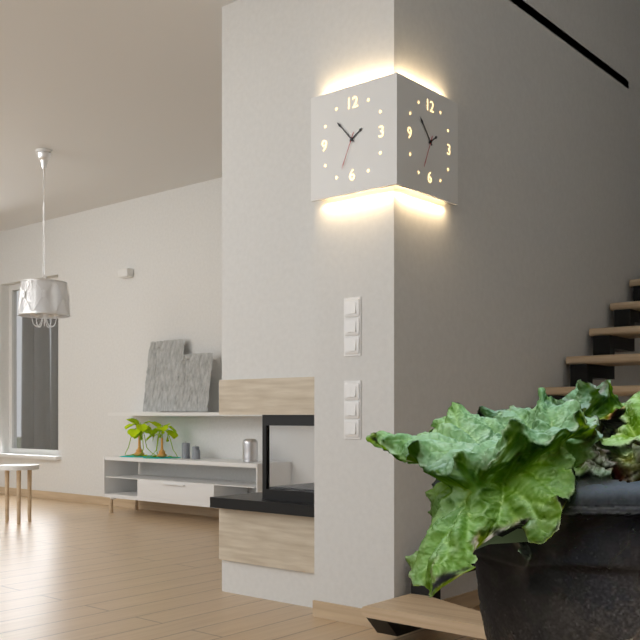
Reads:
{"hour": 1, "minute": 53}
